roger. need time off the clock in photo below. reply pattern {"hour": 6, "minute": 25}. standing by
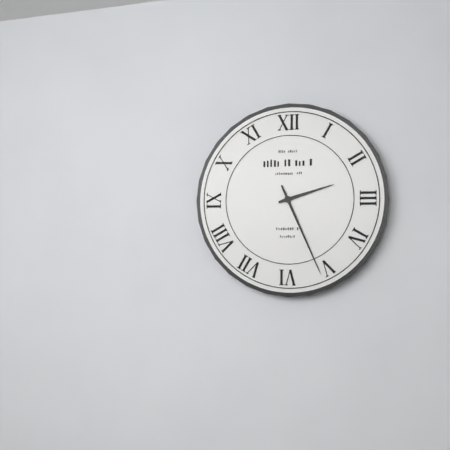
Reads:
{"hour": 2, "minute": 26}
